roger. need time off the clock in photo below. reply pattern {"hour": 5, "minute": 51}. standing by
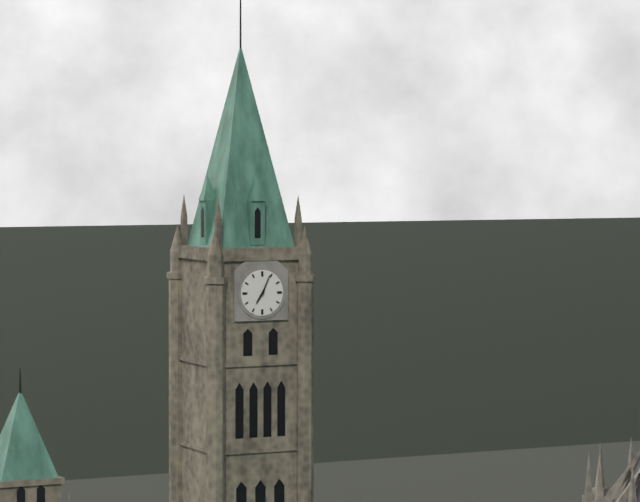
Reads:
{"hour": 7, "minute": 4}
